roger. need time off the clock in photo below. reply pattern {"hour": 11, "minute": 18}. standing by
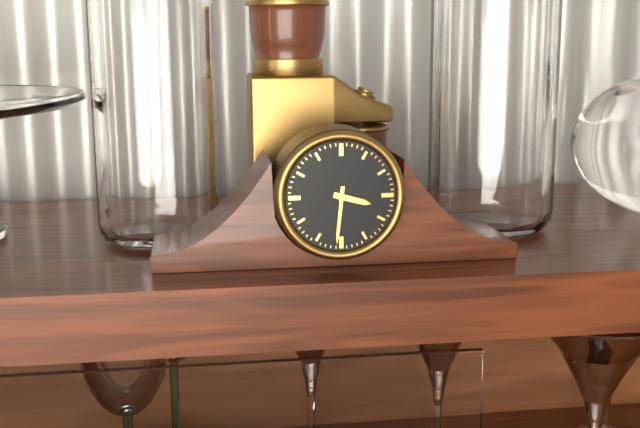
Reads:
{"hour": 3, "minute": 31}
